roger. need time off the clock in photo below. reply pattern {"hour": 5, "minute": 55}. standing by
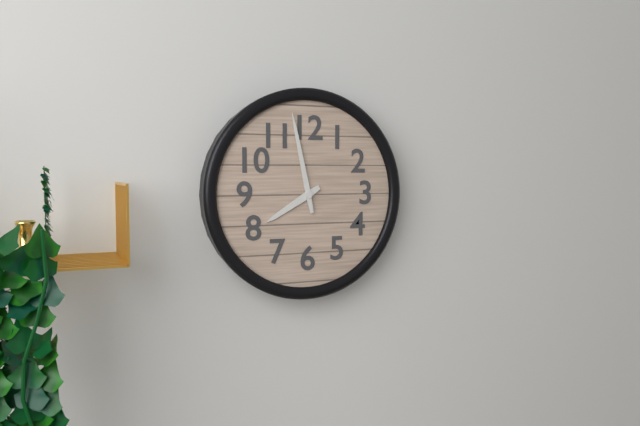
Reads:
{"hour": 7, "minute": 58}
